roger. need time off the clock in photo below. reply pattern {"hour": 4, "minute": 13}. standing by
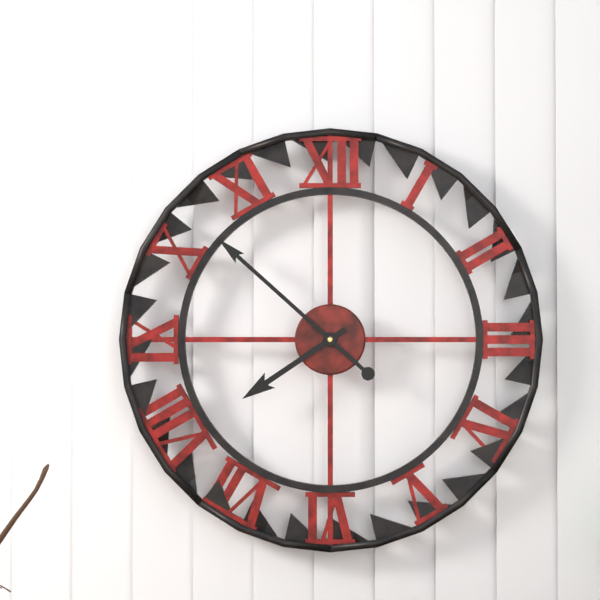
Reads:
{"hour": 7, "minute": 52}
